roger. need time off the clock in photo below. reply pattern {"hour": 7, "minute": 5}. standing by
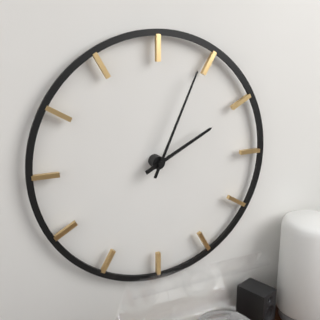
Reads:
{"hour": 2, "minute": 4}
